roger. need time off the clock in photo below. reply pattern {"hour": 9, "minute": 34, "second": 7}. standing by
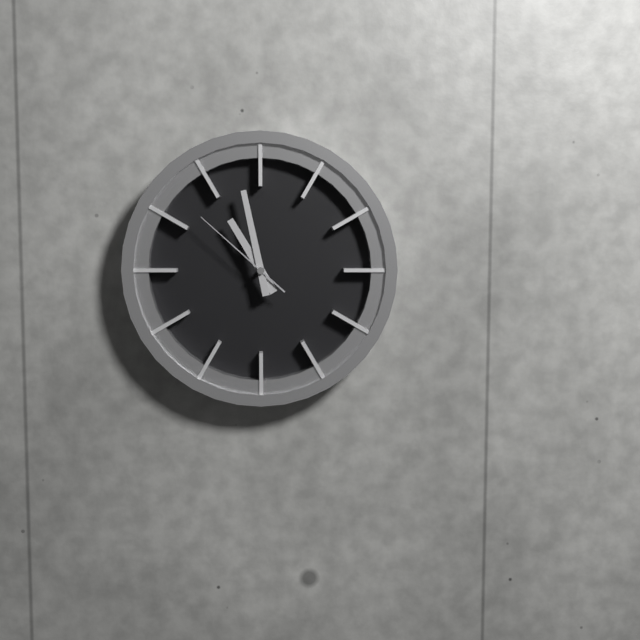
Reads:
{"hour": 10, "minute": 58, "second": 52}
